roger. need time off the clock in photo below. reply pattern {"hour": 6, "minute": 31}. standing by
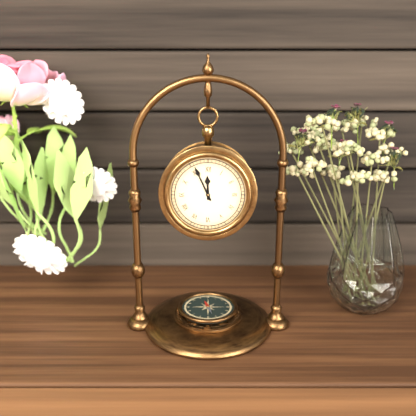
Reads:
{"hour": 11, "minute": 56}
